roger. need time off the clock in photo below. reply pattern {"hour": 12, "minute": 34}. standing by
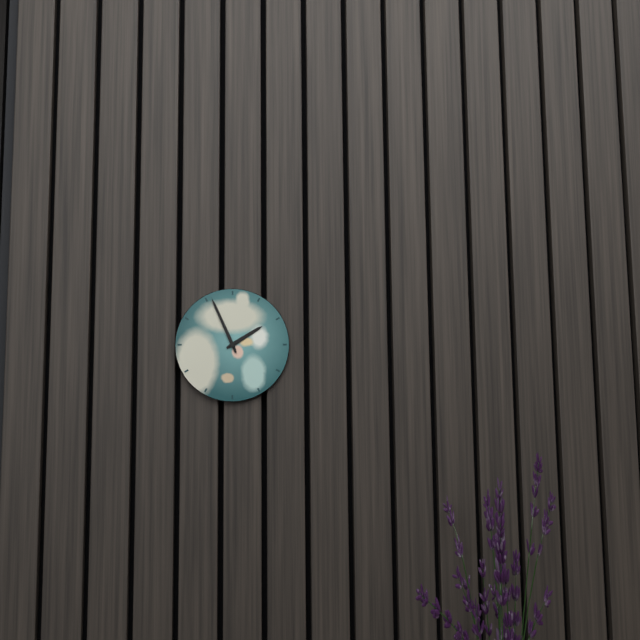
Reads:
{"hour": 1, "minute": 56}
